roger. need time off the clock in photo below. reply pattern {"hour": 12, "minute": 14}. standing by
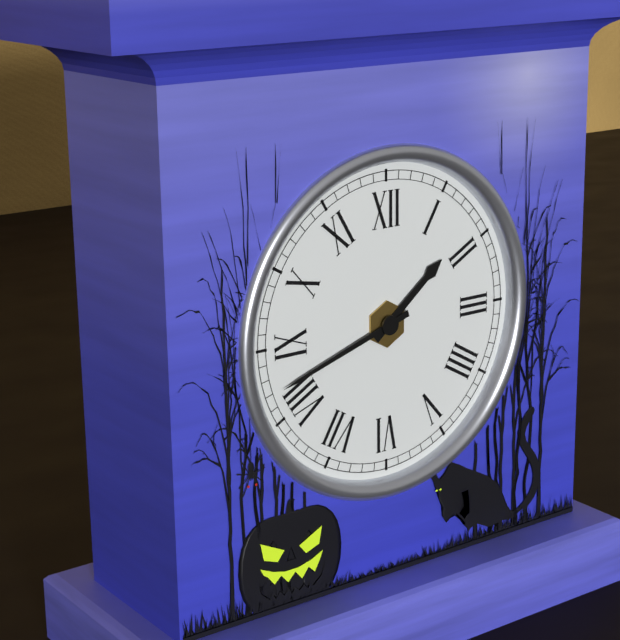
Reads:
{"hour": 1, "minute": 42}
